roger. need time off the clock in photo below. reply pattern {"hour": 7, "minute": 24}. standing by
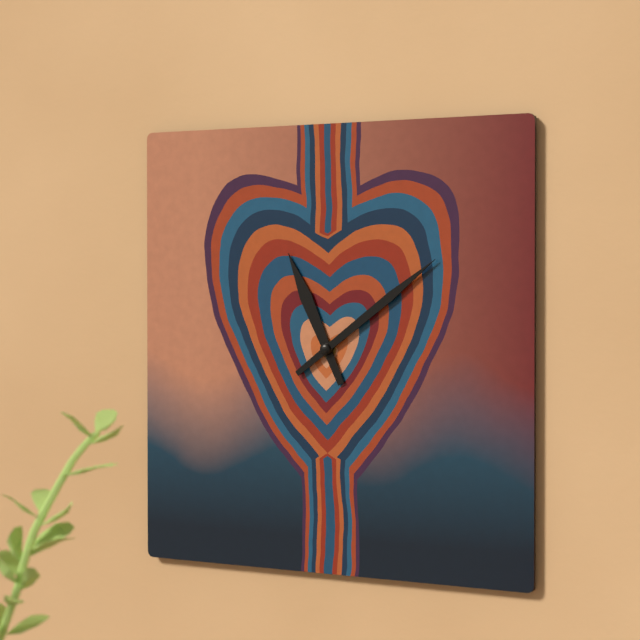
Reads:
{"hour": 11, "minute": 9}
